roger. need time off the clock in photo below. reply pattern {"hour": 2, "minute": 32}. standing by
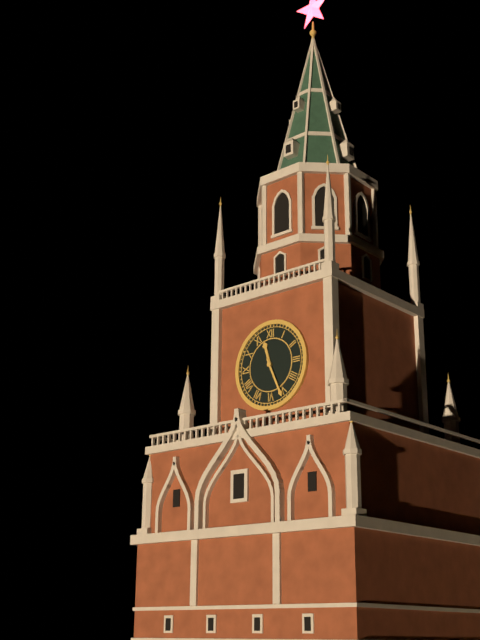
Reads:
{"hour": 11, "minute": 26}
